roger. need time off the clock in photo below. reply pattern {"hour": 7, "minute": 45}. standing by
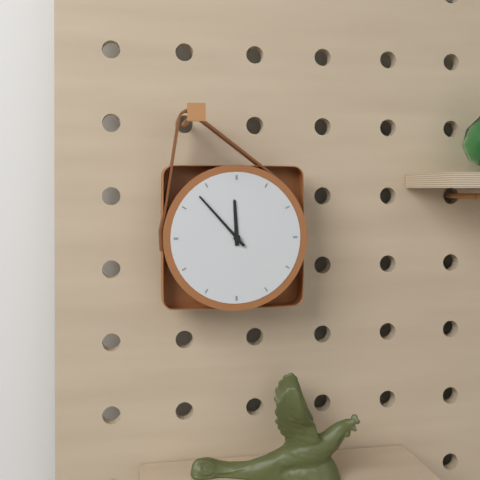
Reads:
{"hour": 11, "minute": 53}
